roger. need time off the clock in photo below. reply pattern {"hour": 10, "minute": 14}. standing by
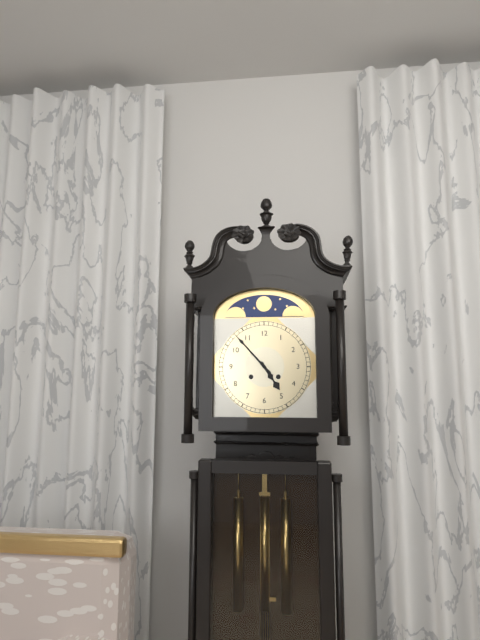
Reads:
{"hour": 4, "minute": 53}
